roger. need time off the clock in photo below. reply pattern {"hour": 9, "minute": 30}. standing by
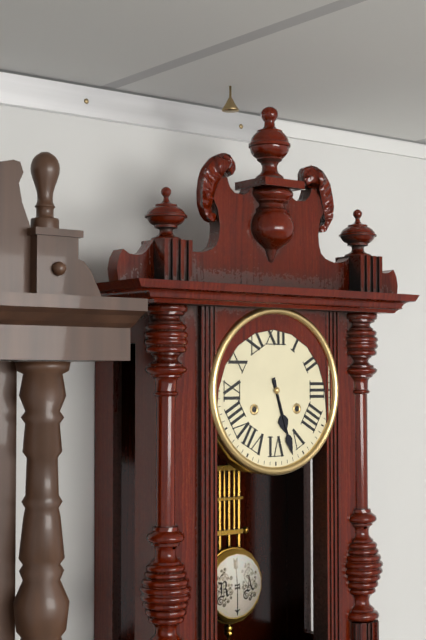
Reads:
{"hour": 5, "minute": 27}
